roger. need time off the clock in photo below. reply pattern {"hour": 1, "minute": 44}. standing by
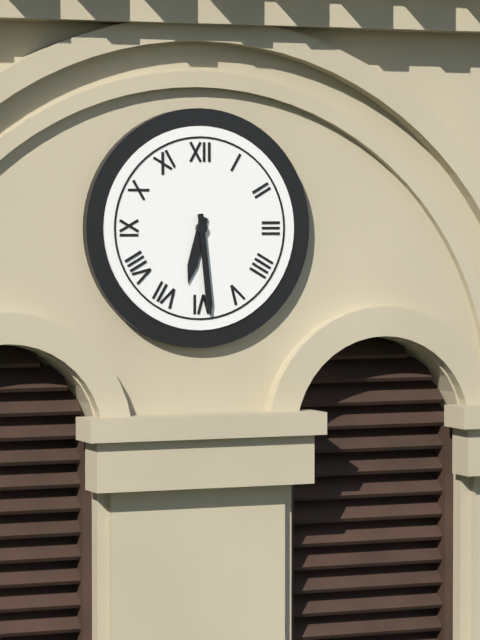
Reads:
{"hour": 6, "minute": 29}
